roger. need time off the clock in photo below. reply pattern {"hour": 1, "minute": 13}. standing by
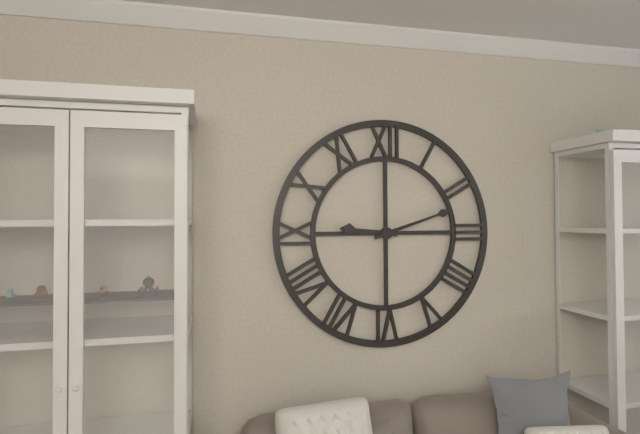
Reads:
{"hour": 9, "minute": 12}
